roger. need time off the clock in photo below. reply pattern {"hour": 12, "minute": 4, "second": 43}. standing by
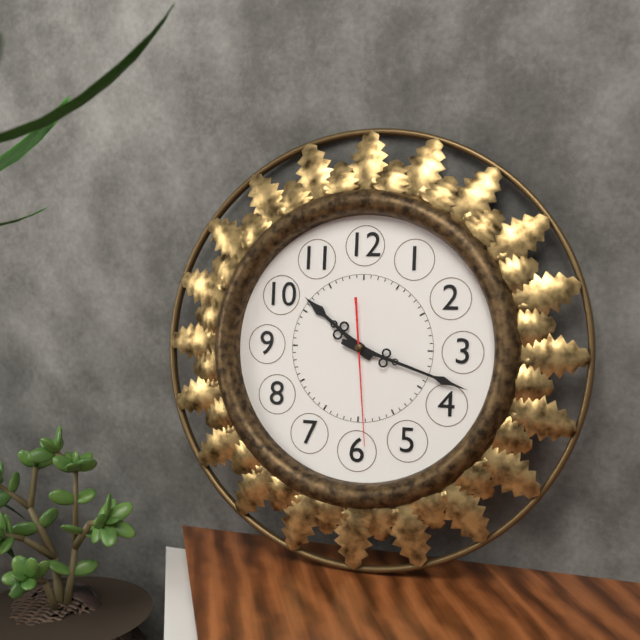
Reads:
{"hour": 10, "minute": 18, "second": 29}
